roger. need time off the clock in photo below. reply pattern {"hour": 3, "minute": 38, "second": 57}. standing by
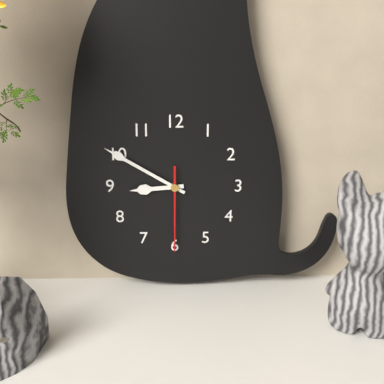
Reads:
{"hour": 8, "minute": 50, "second": 30}
